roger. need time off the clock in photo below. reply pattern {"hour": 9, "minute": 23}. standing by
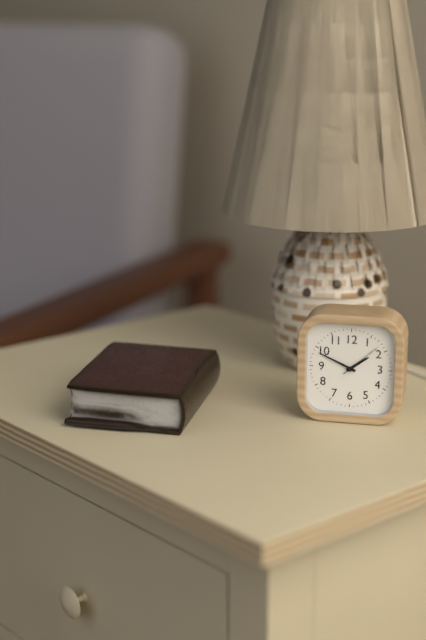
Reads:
{"hour": 1, "minute": 49}
